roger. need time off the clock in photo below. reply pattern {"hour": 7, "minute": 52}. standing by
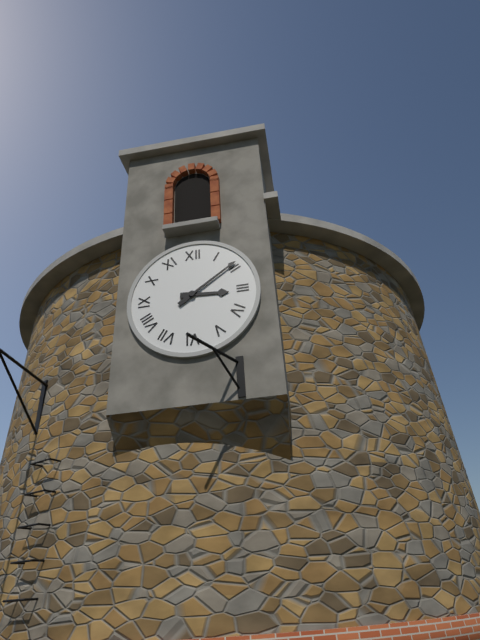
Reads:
{"hour": 3, "minute": 9}
